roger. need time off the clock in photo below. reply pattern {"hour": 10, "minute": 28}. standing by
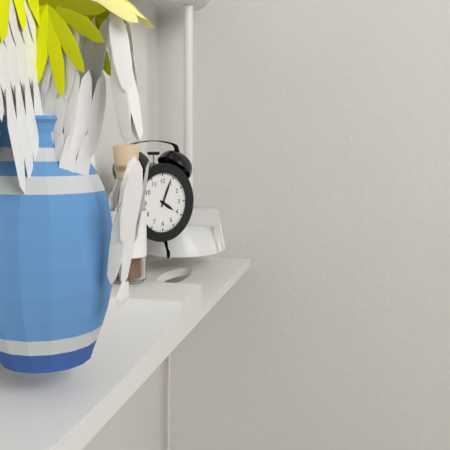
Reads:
{"hour": 4, "minute": 4}
